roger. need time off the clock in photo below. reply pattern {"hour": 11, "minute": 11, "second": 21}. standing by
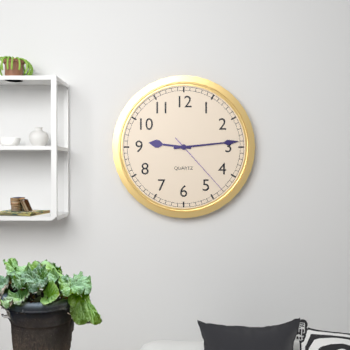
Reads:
{"hour": 9, "minute": 14, "second": 23}
